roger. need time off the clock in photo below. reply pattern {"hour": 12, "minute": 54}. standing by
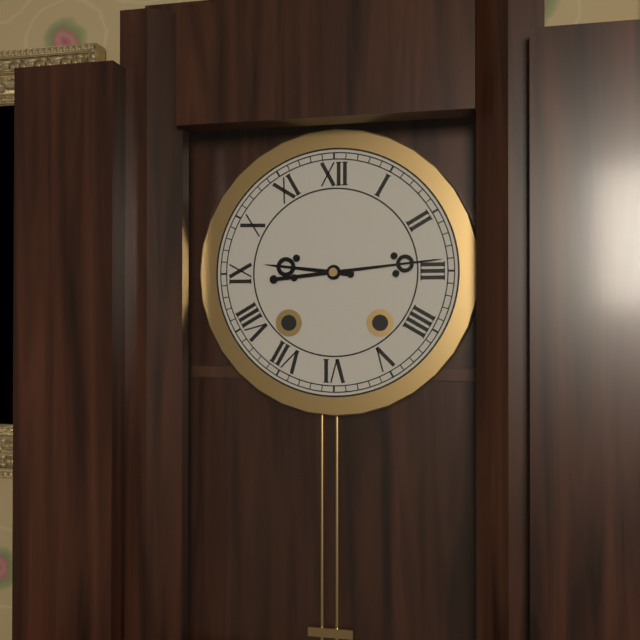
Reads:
{"hour": 9, "minute": 14}
